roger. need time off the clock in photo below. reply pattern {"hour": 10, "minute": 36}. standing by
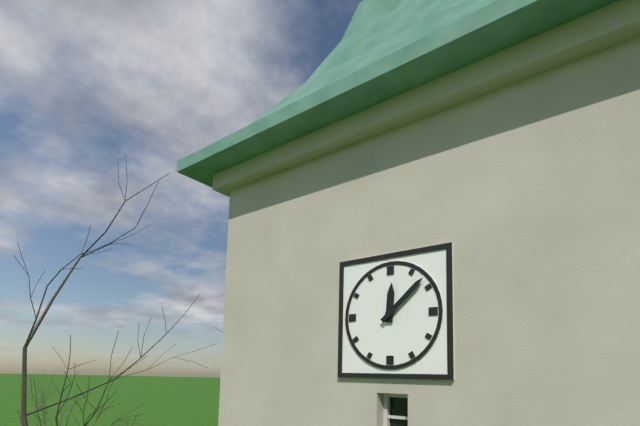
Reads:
{"hour": 12, "minute": 8}
